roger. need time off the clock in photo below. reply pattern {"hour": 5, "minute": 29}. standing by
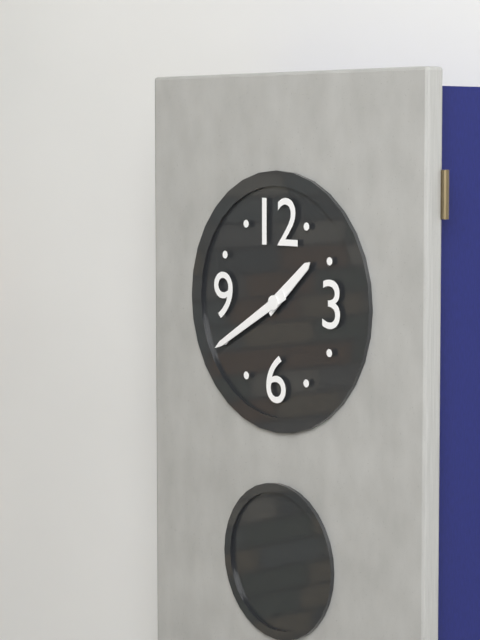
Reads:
{"hour": 1, "minute": 40}
